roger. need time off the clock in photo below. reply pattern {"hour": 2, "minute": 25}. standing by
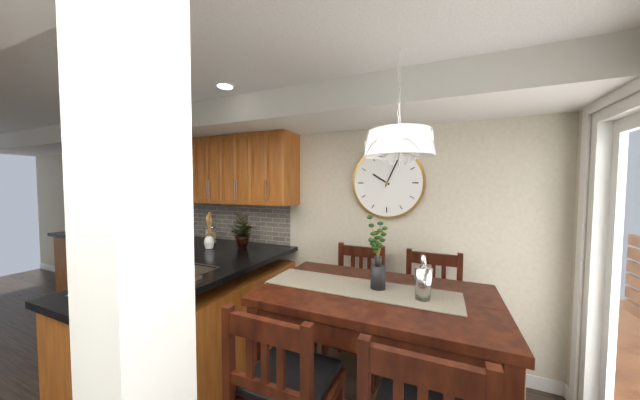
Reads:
{"hour": 10, "minute": 4}
